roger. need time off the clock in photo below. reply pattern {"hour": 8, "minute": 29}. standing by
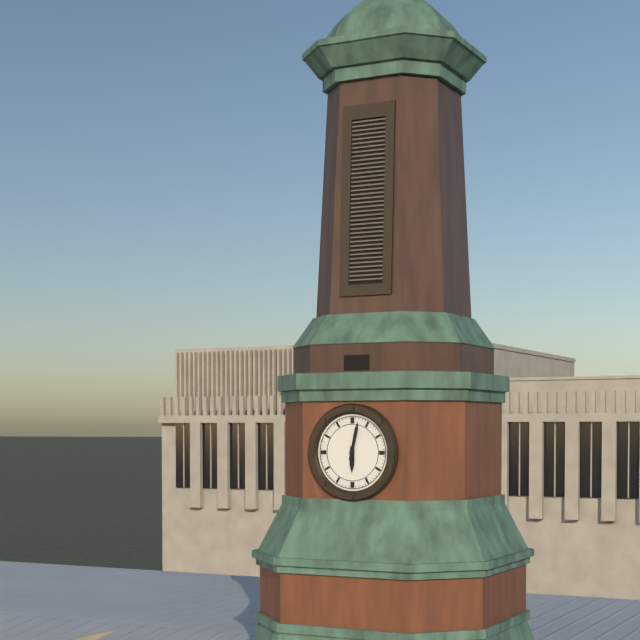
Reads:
{"hour": 6, "minute": 2}
